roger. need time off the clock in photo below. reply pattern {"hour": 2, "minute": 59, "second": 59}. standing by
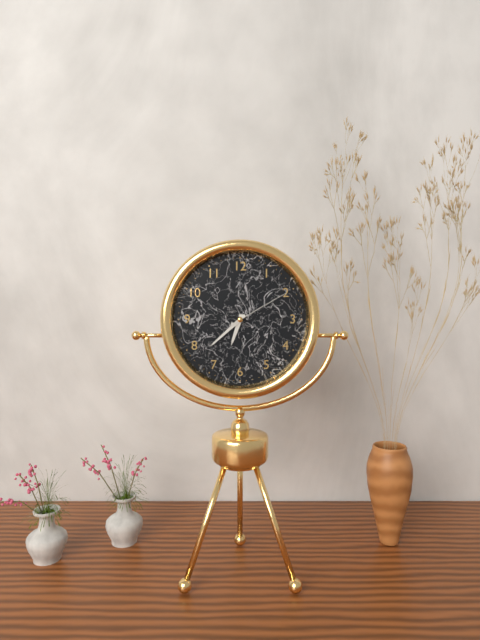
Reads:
{"hour": 6, "minute": 38, "second": 10}
